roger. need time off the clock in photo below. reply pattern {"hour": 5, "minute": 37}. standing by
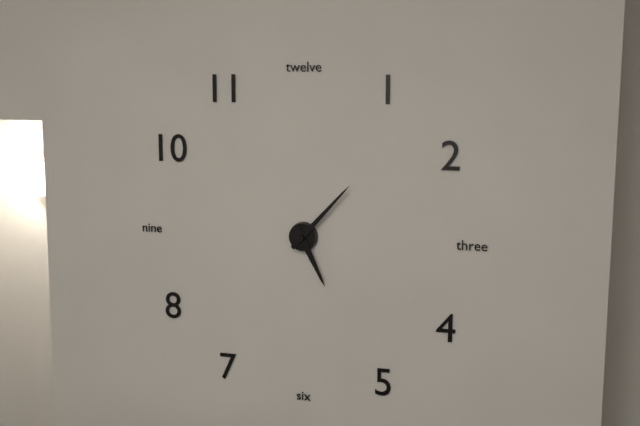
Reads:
{"hour": 5, "minute": 7}
